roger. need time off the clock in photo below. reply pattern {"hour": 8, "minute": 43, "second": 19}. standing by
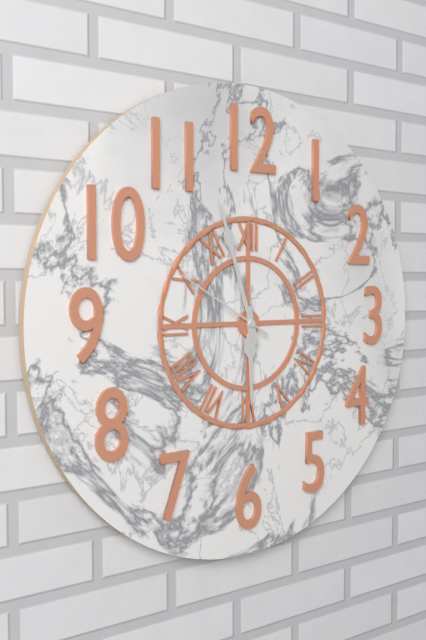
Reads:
{"hour": 5, "minute": 57, "second": 50}
